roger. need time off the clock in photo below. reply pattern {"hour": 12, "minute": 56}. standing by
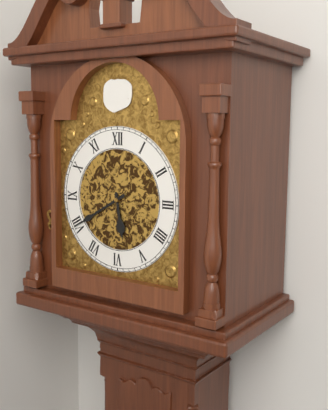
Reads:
{"hour": 5, "minute": 40}
